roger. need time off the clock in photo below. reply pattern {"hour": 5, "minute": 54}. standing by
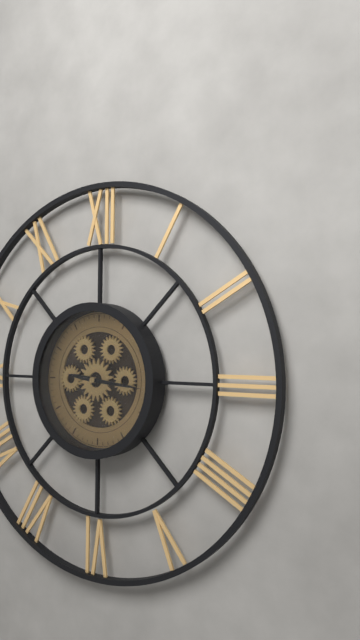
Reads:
{"hour": 9, "minute": 16}
